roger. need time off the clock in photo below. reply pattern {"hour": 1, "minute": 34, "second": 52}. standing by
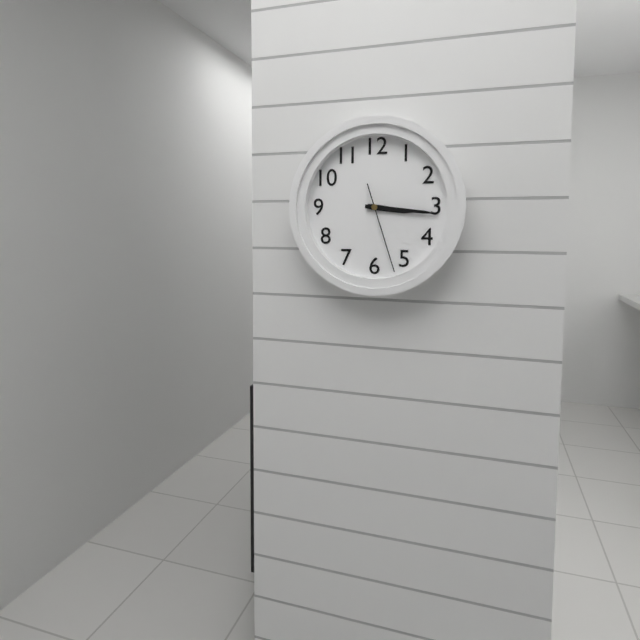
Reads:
{"hour": 3, "minute": 16, "second": 27}
